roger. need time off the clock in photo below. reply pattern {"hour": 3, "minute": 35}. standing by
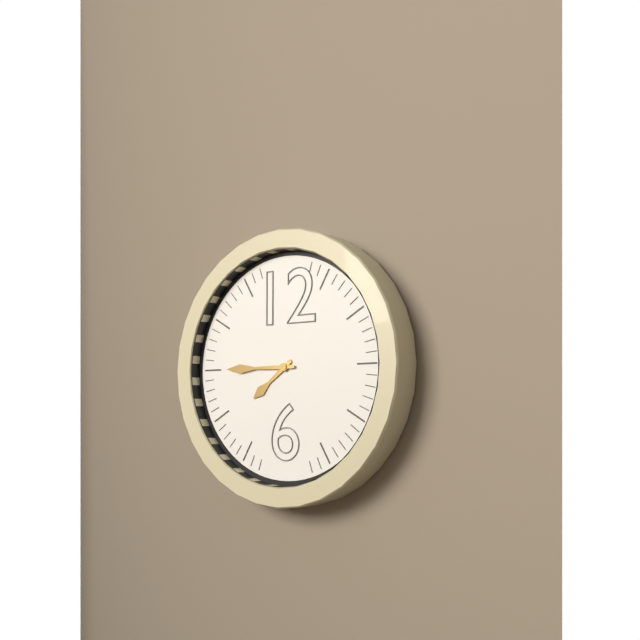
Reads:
{"hour": 7, "minute": 45}
